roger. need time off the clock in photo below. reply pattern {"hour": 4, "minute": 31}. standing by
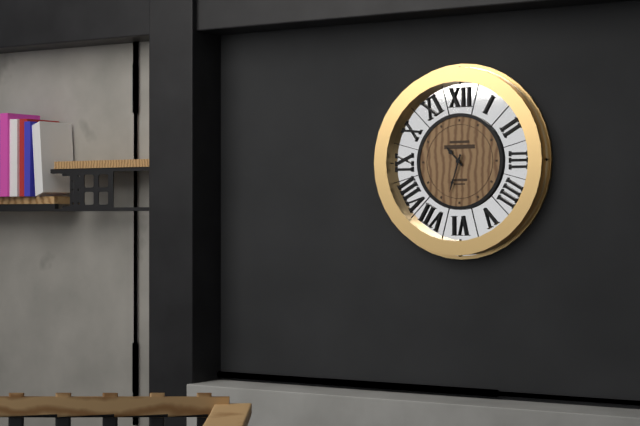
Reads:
{"hour": 10, "minute": 33}
